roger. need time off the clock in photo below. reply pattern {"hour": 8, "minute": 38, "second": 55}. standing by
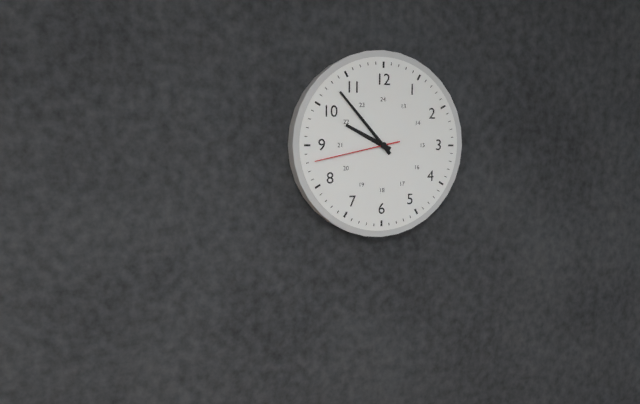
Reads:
{"hour": 9, "minute": 53, "second": 43}
